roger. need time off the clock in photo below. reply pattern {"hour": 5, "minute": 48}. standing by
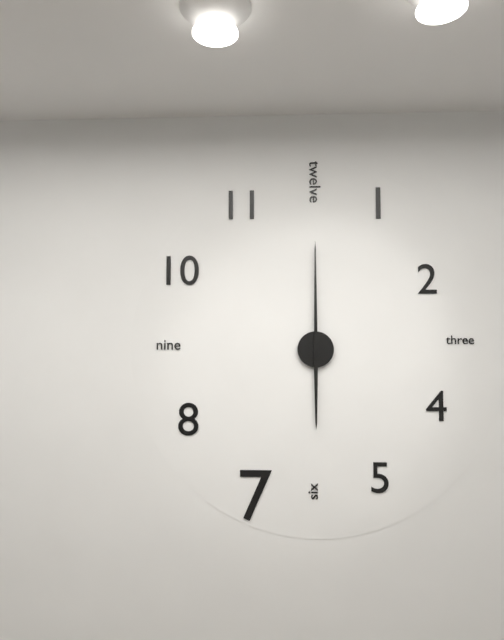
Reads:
{"hour": 6, "minute": 0}
